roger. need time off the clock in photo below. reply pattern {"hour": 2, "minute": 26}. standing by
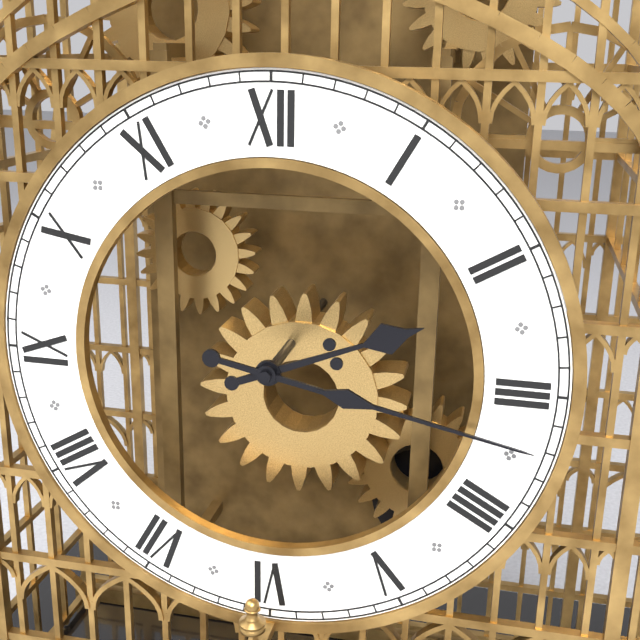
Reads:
{"hour": 2, "minute": 17}
